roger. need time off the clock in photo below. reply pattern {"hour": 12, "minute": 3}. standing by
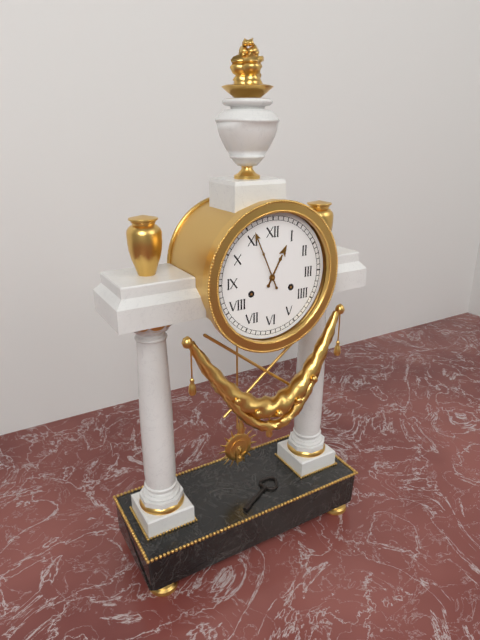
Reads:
{"hour": 12, "minute": 56}
